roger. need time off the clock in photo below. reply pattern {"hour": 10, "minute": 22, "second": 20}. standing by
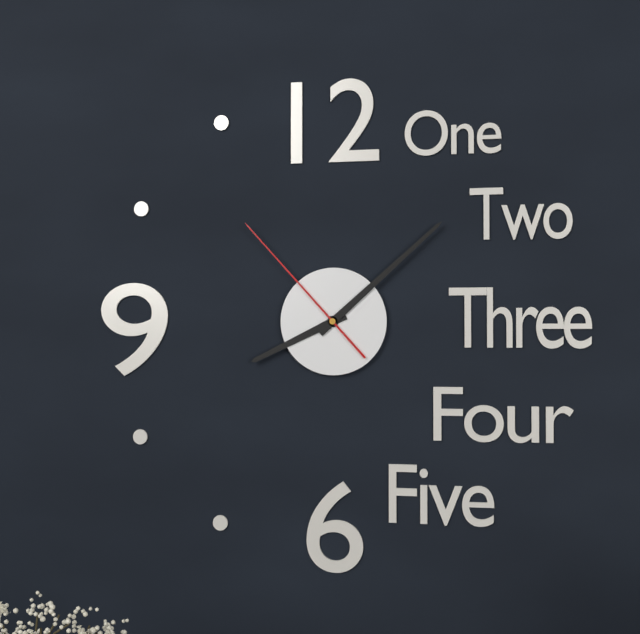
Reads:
{"hour": 8, "minute": 8, "second": 53}
